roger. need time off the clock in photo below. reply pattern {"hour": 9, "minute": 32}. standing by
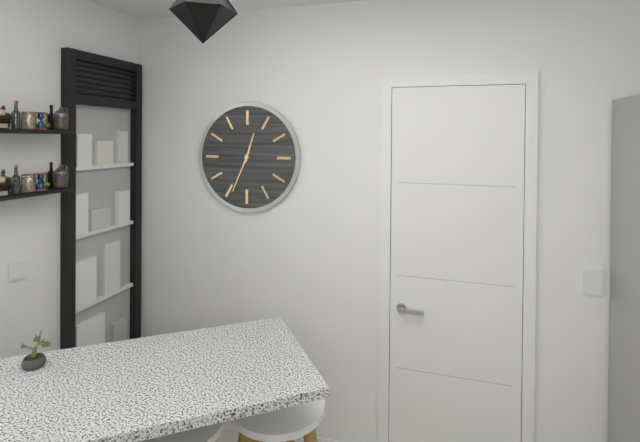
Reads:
{"hour": 12, "minute": 34}
